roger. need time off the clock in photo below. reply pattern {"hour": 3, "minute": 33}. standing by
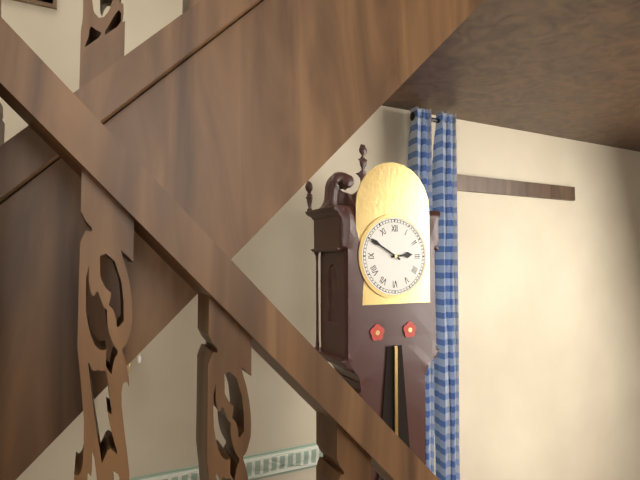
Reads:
{"hour": 2, "minute": 50}
